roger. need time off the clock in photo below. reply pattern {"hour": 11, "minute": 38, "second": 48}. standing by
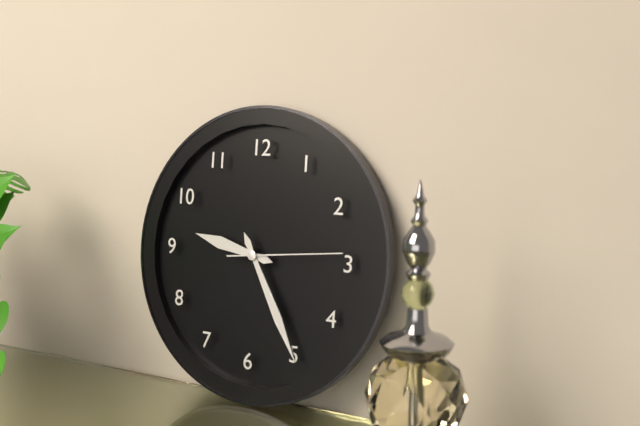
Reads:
{"hour": 9, "minute": 25, "second": 14}
